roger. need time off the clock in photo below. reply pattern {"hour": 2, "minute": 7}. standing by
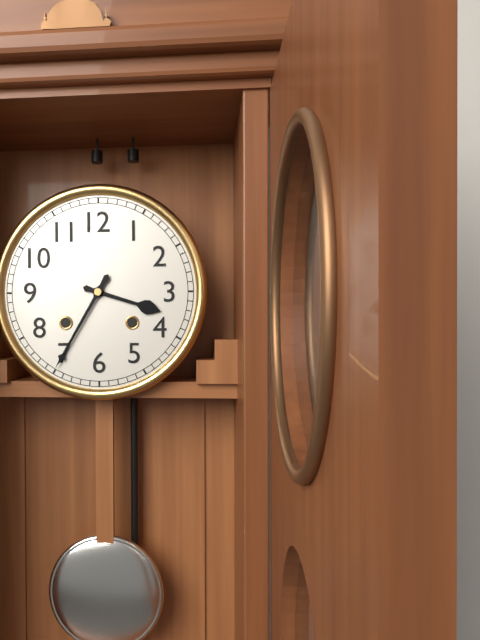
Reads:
{"hour": 3, "minute": 35}
